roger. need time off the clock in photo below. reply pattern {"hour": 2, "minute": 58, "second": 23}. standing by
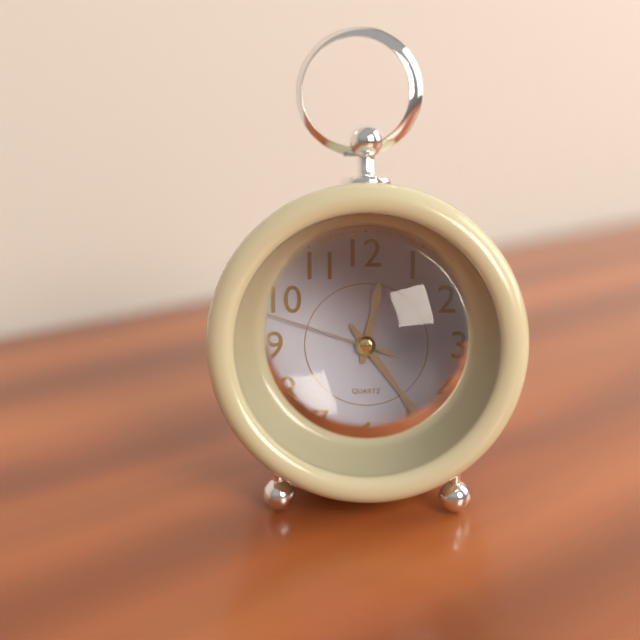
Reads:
{"hour": 12, "minute": 24, "second": 48}
